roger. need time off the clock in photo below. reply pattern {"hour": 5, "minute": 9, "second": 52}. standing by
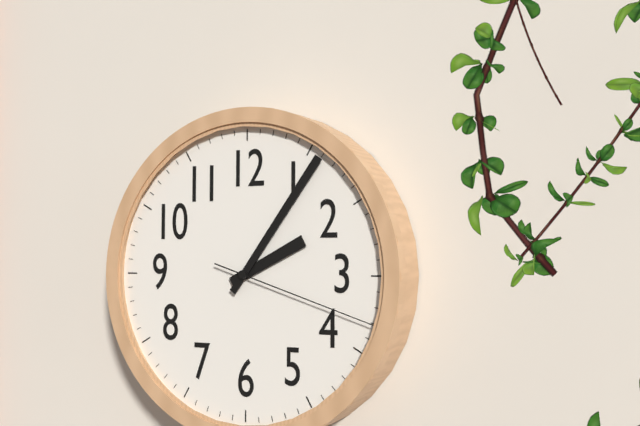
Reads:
{"hour": 2, "minute": 6, "second": 18}
